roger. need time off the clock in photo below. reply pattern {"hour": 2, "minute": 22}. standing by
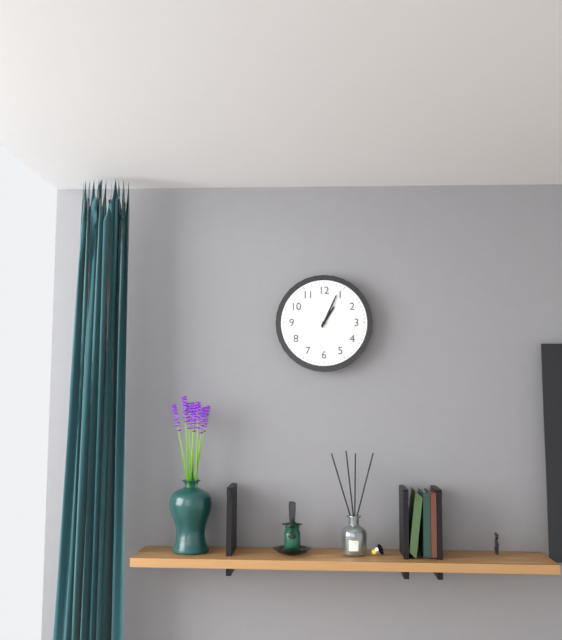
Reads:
{"hour": 1, "minute": 4}
